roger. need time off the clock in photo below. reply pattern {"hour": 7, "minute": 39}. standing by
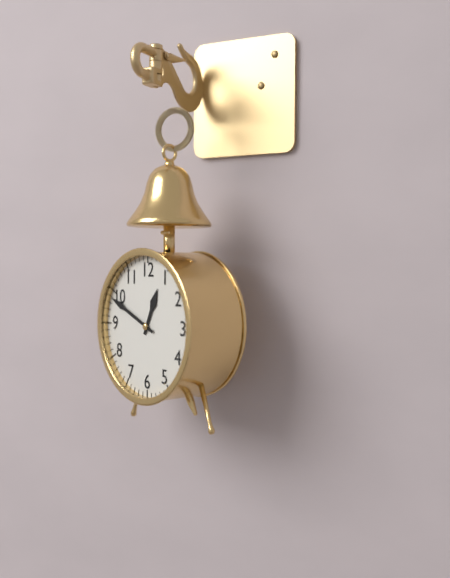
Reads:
{"hour": 12, "minute": 49}
